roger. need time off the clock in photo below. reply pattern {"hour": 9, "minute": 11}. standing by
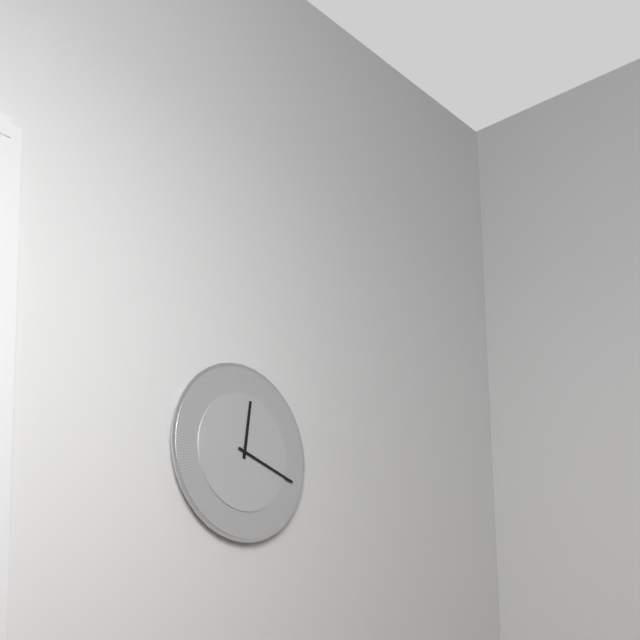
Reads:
{"hour": 12, "minute": 18}
